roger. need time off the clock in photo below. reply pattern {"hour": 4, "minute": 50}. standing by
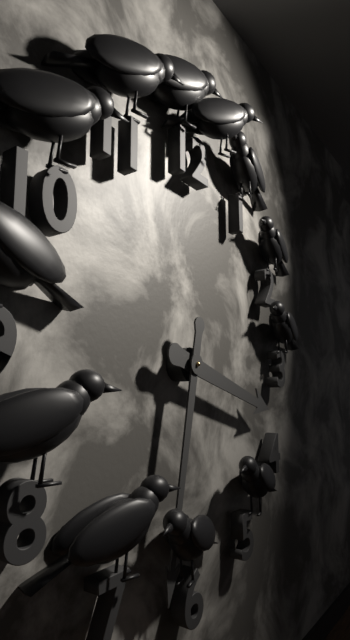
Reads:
{"hour": 3, "minute": 32}
